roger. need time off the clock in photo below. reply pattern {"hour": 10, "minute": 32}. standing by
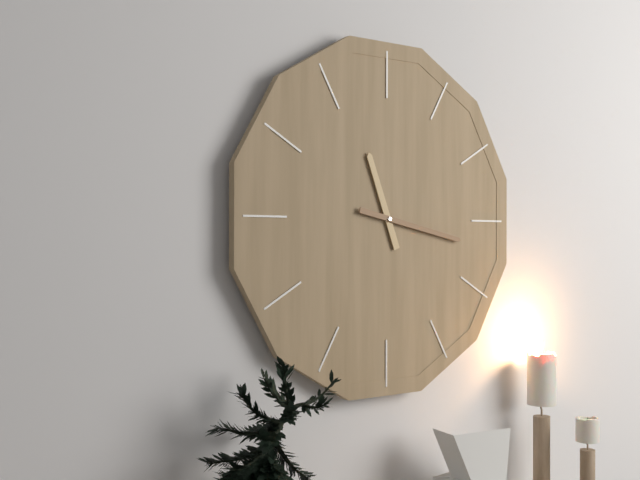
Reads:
{"hour": 11, "minute": 17}
